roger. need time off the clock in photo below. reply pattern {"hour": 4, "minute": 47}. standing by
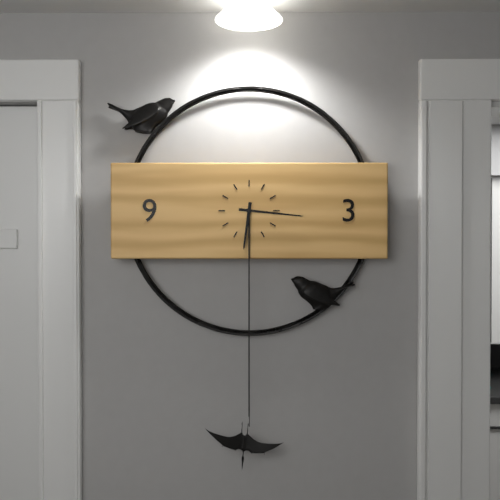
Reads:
{"hour": 6, "minute": 16}
